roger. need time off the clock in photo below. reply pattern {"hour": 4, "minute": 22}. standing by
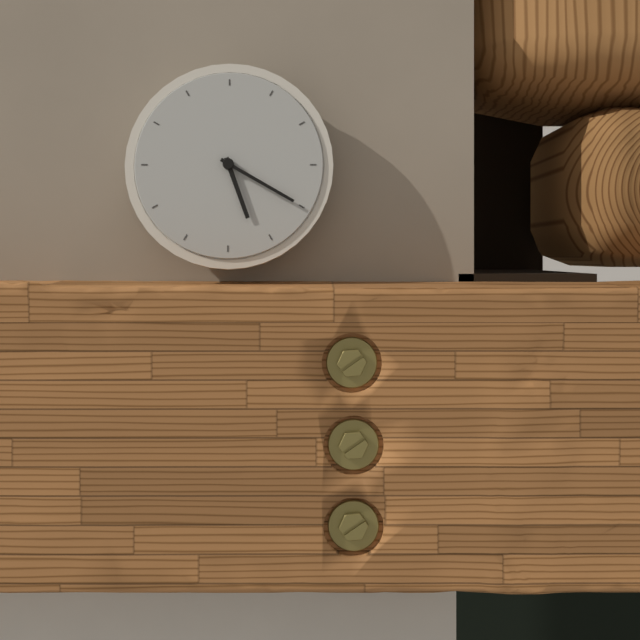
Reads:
{"hour": 5, "minute": 20}
